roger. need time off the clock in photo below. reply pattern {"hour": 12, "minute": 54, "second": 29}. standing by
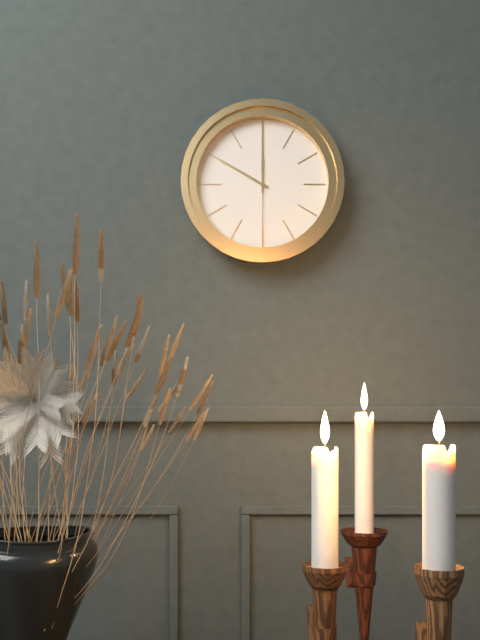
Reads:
{"hour": 10, "minute": 0, "second": 30}
